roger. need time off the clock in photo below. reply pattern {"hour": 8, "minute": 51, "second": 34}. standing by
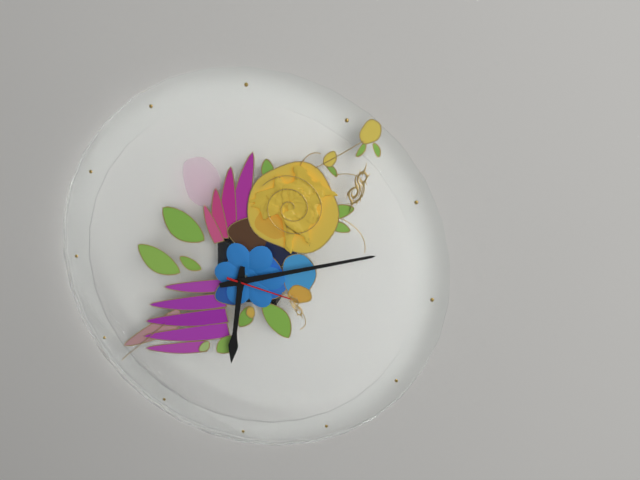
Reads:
{"hour": 6, "minute": 12, "second": 17}
